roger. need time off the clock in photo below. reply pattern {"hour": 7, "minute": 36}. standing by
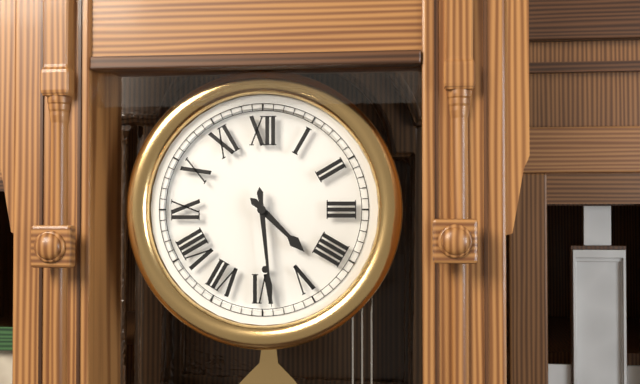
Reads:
{"hour": 4, "minute": 29}
